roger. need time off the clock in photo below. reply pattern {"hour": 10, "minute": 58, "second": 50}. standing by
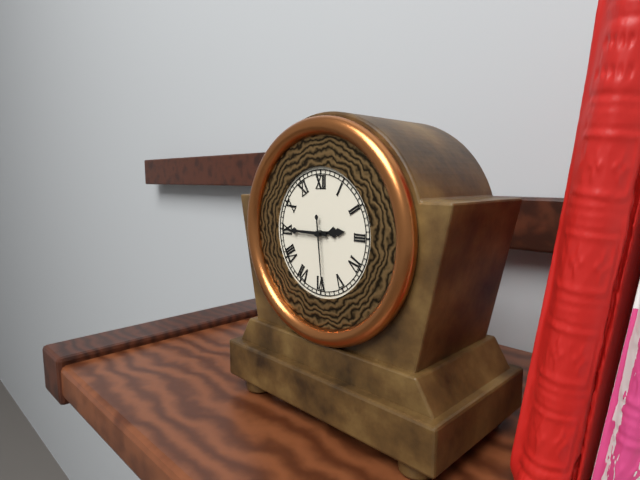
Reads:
{"hour": 2, "minute": 45, "second": 29}
